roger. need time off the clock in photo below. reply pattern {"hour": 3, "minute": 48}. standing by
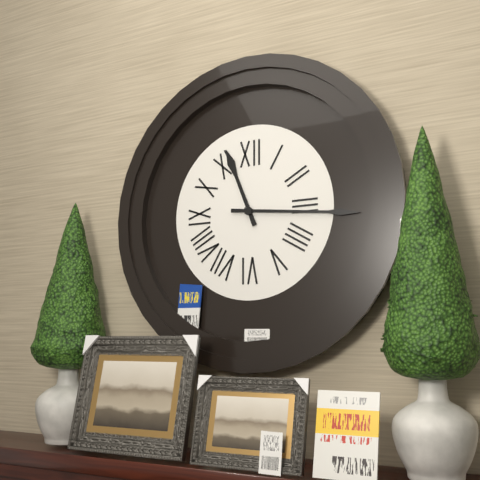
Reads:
{"hour": 11, "minute": 16}
